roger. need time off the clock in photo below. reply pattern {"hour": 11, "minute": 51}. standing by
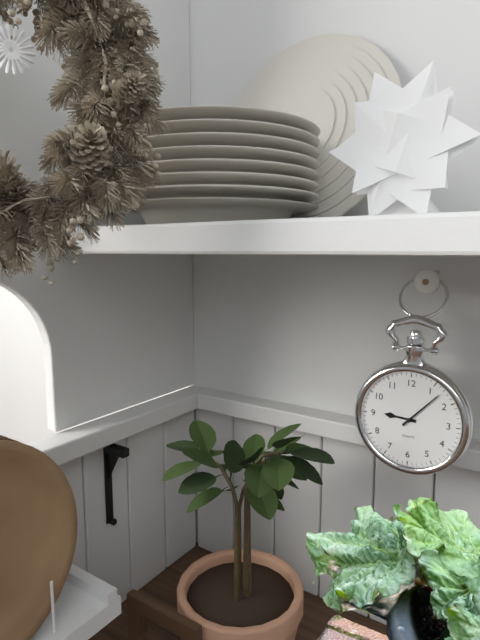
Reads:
{"hour": 9, "minute": 7}
